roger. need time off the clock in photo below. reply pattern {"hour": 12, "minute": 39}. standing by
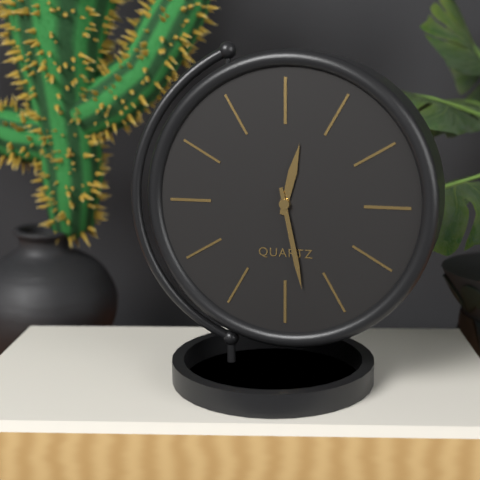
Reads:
{"hour": 12, "minute": 28}
